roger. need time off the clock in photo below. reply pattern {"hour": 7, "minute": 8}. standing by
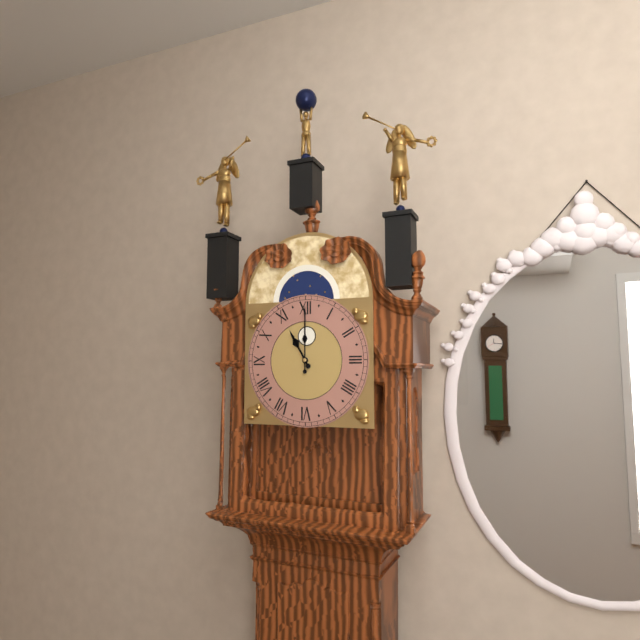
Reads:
{"hour": 11, "minute": 0}
